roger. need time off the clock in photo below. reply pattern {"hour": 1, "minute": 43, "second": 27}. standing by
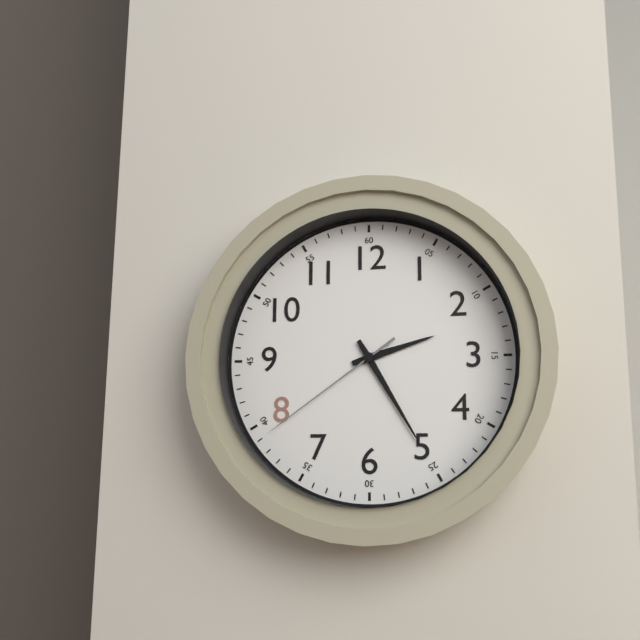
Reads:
{"hour": 2, "minute": 25, "second": 39}
